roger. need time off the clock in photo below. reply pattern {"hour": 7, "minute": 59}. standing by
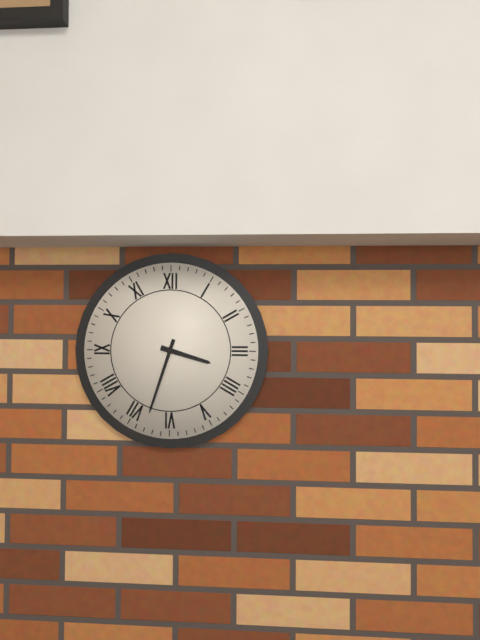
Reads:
{"hour": 3, "minute": 33}
